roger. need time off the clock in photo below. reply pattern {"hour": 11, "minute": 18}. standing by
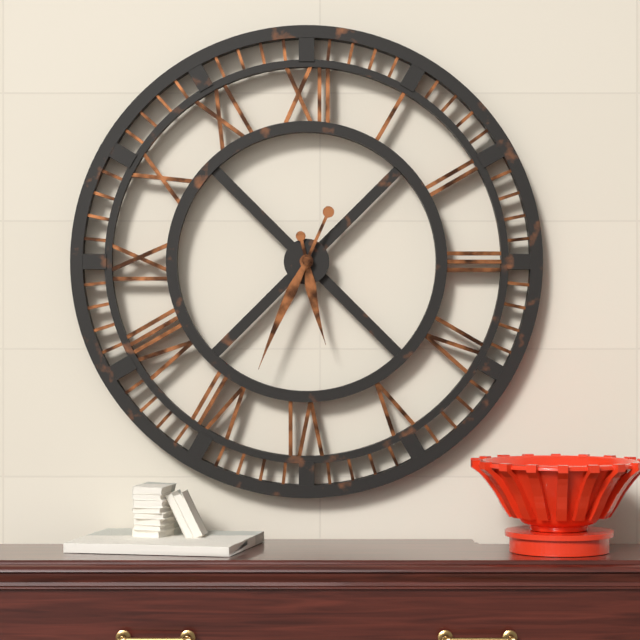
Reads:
{"hour": 5, "minute": 34}
